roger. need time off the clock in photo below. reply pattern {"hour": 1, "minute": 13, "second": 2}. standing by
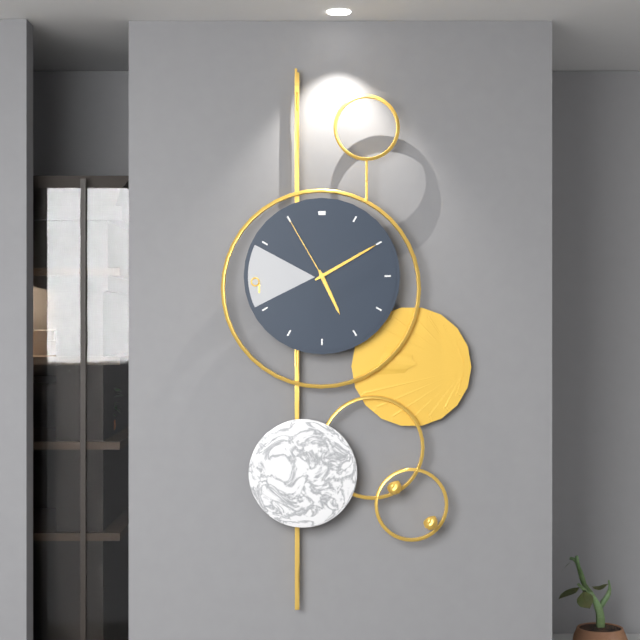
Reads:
{"hour": 5, "minute": 10, "second": 55}
